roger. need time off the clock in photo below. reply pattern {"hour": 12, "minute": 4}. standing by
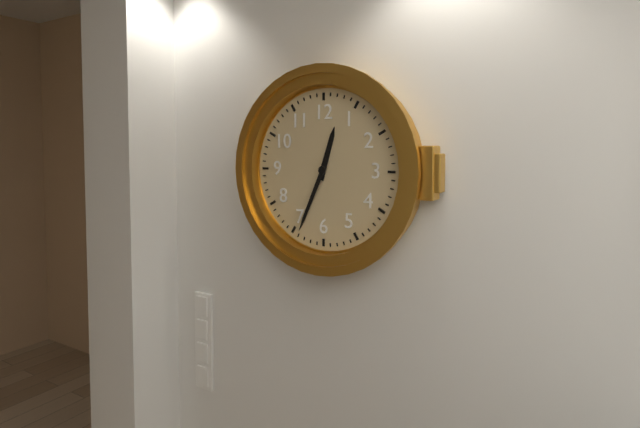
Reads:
{"hour": 12, "minute": 34}
